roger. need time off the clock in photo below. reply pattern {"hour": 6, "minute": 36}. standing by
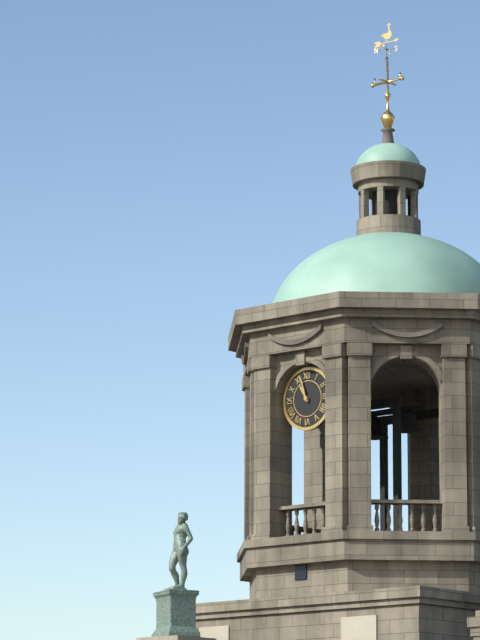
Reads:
{"hour": 10, "minute": 57}
